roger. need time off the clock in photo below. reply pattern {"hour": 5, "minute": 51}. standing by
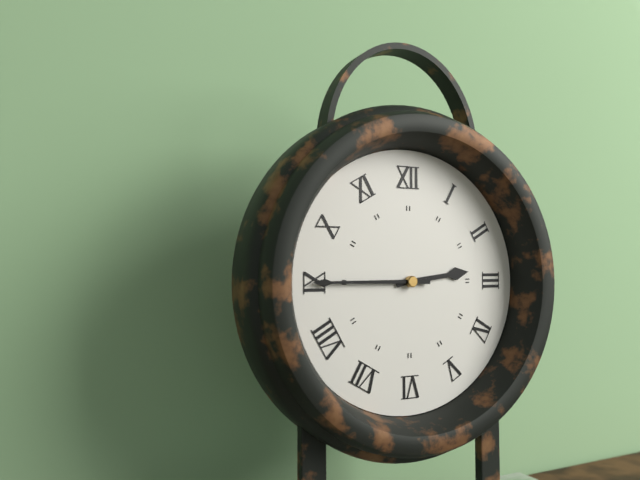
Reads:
{"hour": 2, "minute": 45}
